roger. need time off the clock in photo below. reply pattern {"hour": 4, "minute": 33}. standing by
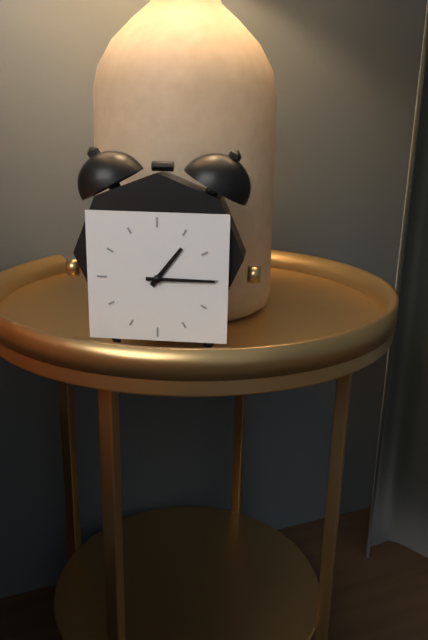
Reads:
{"hour": 1, "minute": 15}
